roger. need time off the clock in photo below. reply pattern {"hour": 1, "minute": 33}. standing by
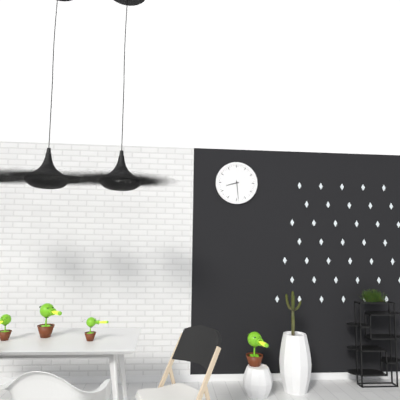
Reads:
{"hour": 8, "minute": 29}
